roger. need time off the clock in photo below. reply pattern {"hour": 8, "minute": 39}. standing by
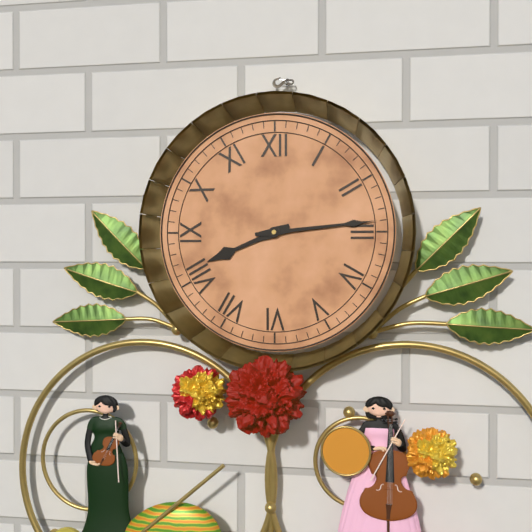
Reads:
{"hour": 8, "minute": 14}
